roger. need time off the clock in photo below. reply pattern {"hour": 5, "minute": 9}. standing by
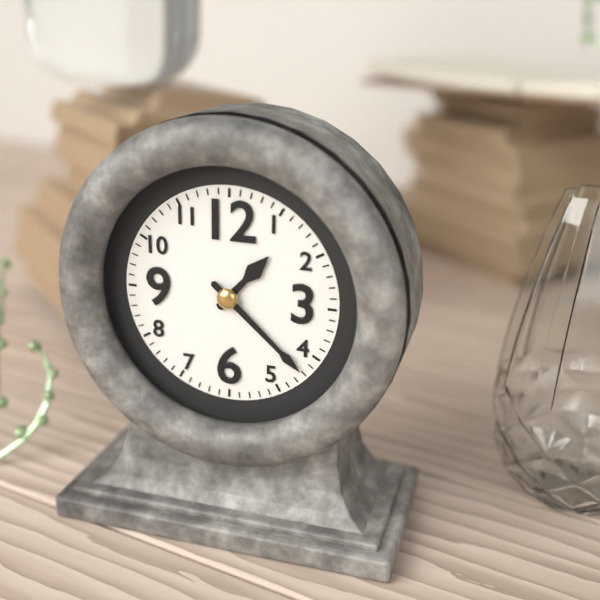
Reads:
{"hour": 1, "minute": 22}
